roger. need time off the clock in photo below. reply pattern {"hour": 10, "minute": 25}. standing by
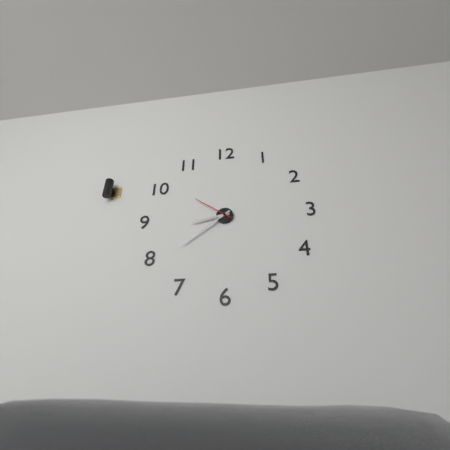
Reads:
{"hour": 8, "minute": 39}
